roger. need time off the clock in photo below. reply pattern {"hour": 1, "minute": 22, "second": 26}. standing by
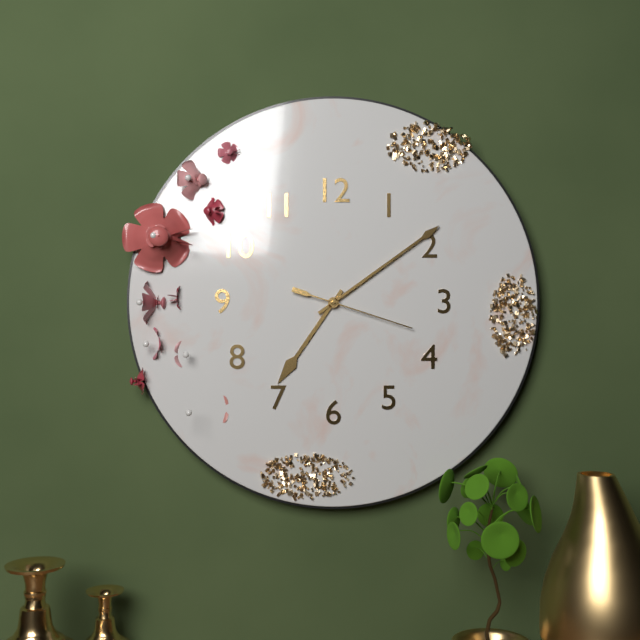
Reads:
{"hour": 7, "minute": 9, "second": 18}
